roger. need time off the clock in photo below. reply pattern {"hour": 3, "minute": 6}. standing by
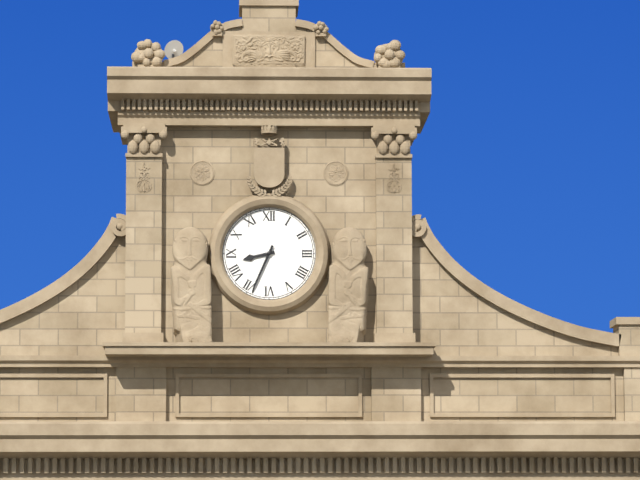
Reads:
{"hour": 8, "minute": 34}
